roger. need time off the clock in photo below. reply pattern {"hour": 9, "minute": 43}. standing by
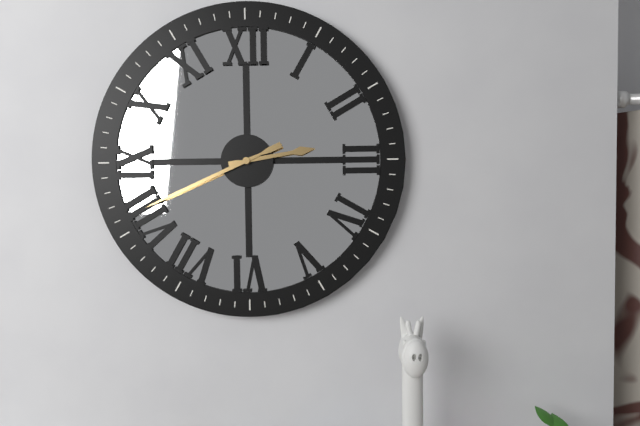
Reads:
{"hour": 2, "minute": 41}
